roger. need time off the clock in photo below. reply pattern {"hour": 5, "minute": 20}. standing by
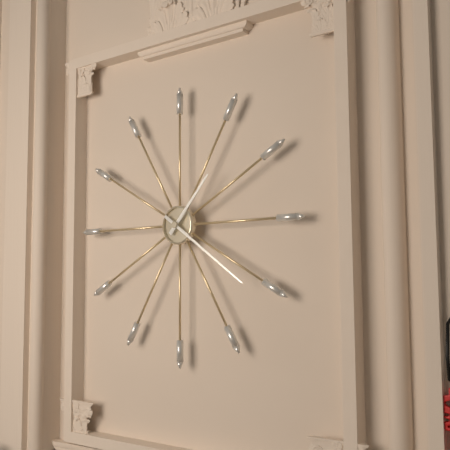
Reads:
{"hour": 1, "minute": 21}
